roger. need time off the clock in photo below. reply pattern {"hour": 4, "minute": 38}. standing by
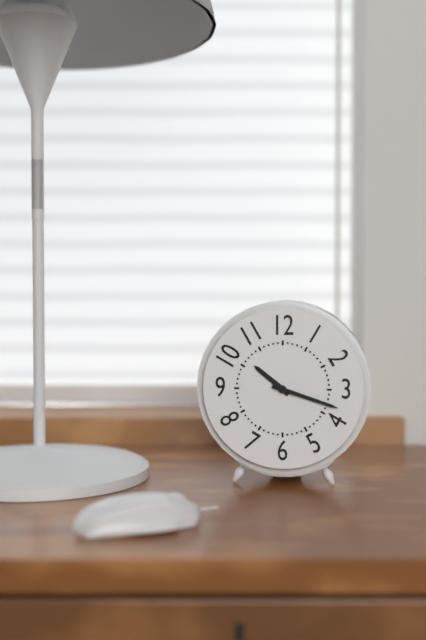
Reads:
{"hour": 10, "minute": 18}
